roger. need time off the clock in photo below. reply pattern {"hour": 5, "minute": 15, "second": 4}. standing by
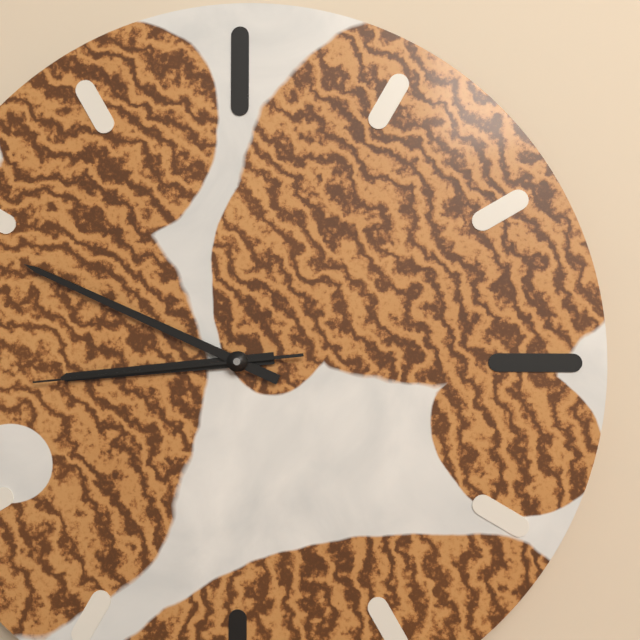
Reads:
{"hour": 8, "minute": 49, "second": 44}
